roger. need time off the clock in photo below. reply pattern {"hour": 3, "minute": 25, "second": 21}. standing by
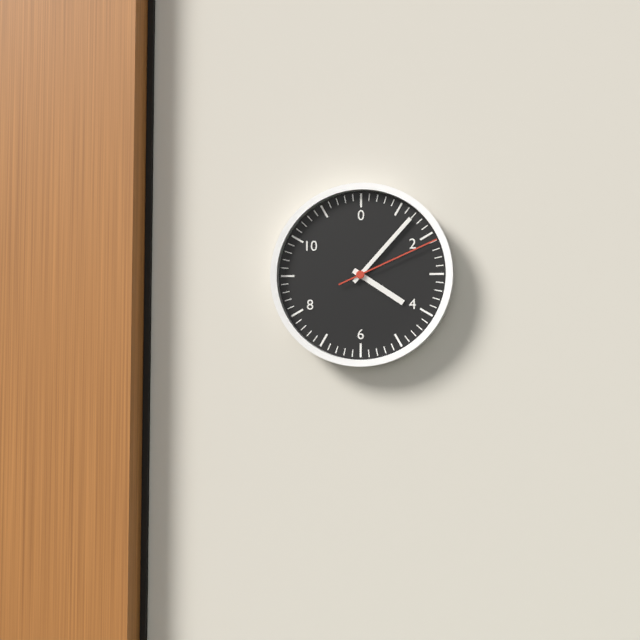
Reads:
{"hour": 4, "minute": 7, "second": 11}
